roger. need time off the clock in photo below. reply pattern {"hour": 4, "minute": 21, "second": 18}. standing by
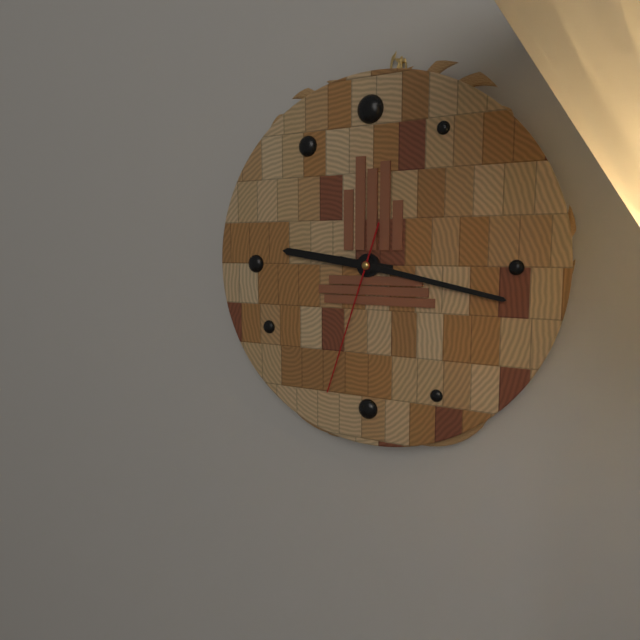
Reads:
{"hour": 9, "minute": 17, "second": 33}
